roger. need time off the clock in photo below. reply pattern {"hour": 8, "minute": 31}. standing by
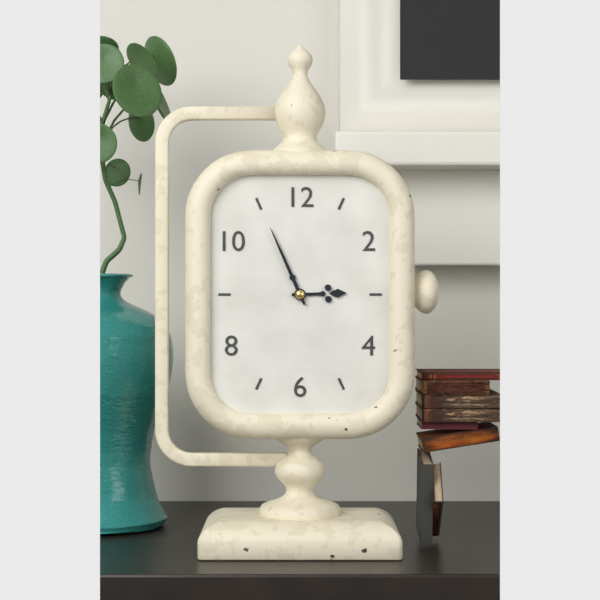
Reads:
{"hour": 2, "minute": 56}
